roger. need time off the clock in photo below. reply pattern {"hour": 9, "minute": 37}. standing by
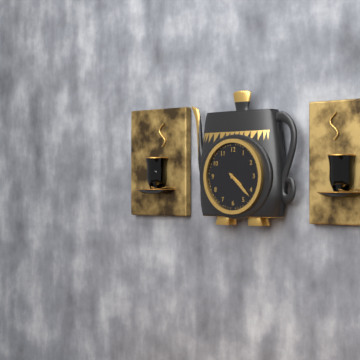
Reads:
{"hour": 4, "minute": 22}
